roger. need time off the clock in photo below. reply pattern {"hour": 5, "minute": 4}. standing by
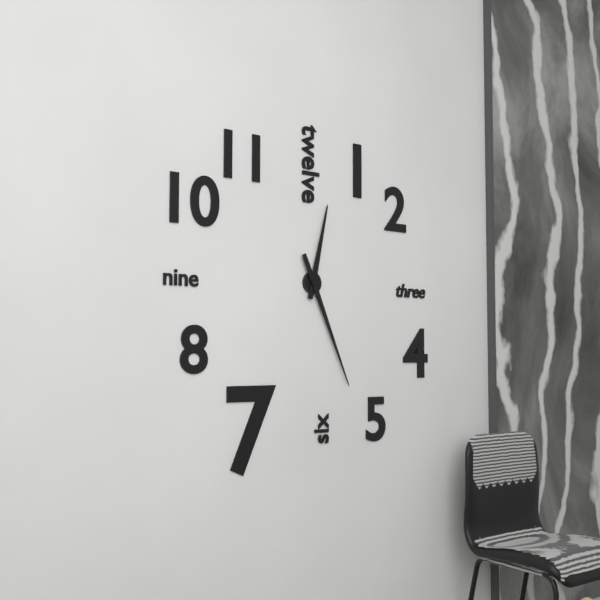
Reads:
{"hour": 12, "minute": 26}
